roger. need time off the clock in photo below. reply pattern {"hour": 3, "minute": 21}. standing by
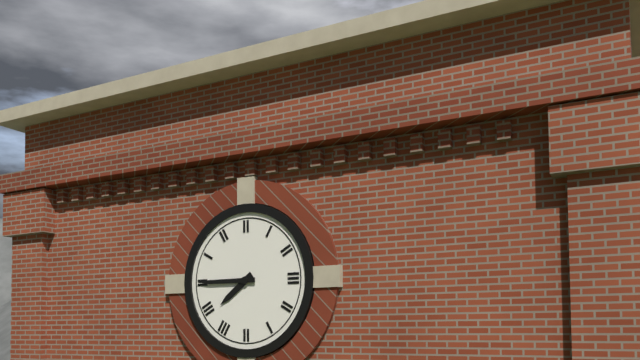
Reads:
{"hour": 7, "minute": 45}
